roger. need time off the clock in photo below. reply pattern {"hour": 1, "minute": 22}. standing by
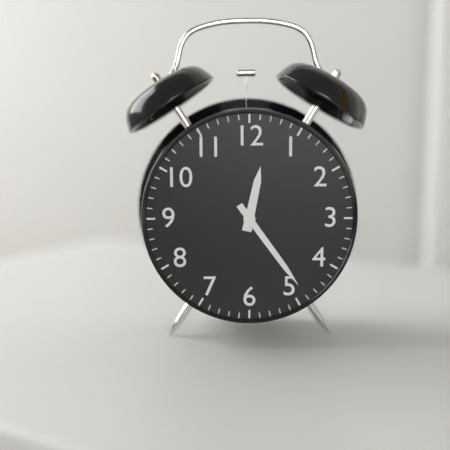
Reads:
{"hour": 12, "minute": 24}
